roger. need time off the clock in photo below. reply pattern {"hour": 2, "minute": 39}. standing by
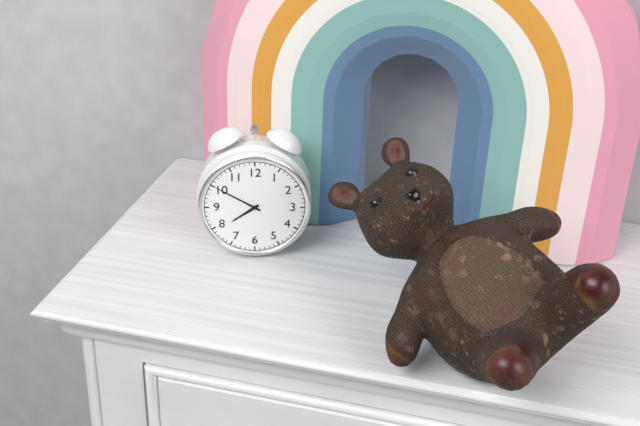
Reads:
{"hour": 7, "minute": 50}
